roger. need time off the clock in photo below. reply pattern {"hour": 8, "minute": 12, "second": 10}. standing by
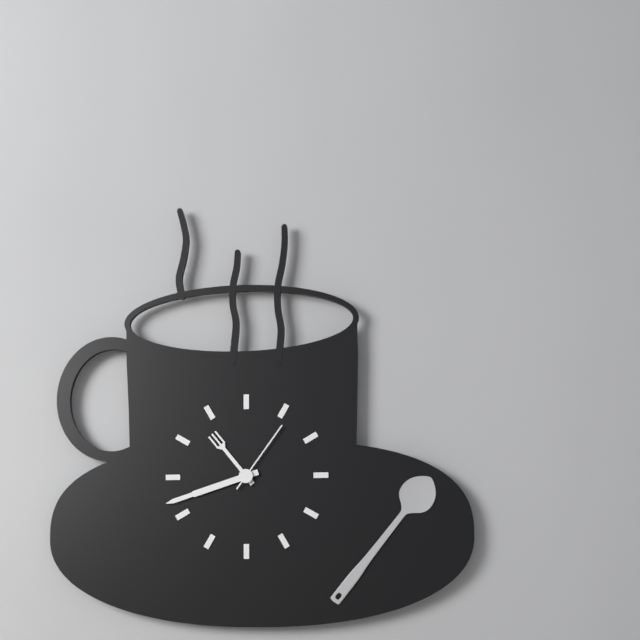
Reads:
{"hour": 10, "minute": 42, "second": 6}
